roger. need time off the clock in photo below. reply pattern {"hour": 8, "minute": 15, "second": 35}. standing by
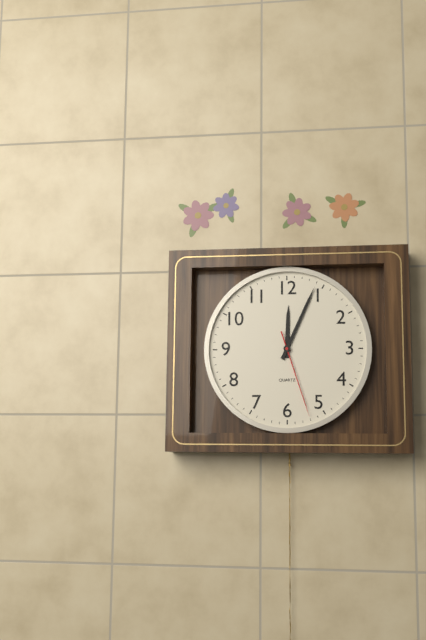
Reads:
{"hour": 12, "minute": 4, "second": 27}
